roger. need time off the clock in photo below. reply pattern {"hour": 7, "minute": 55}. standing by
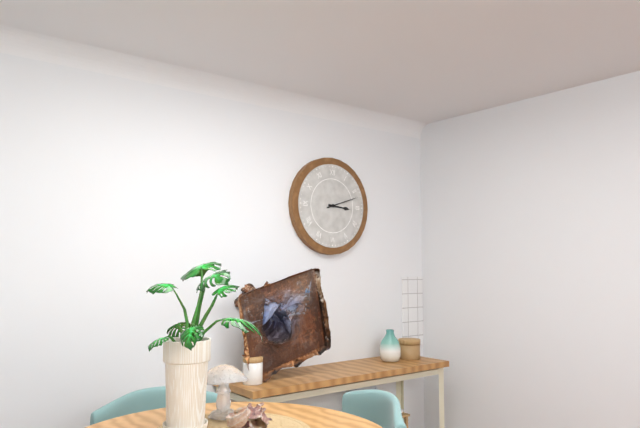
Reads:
{"hour": 3, "minute": 12}
